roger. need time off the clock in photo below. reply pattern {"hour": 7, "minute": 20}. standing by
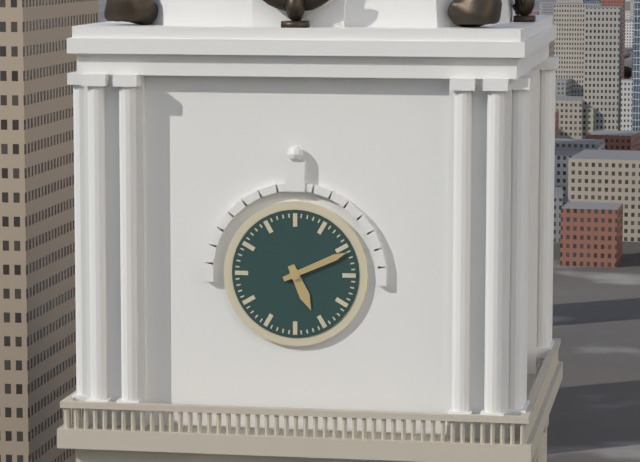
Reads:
{"hour": 5, "minute": 11}
